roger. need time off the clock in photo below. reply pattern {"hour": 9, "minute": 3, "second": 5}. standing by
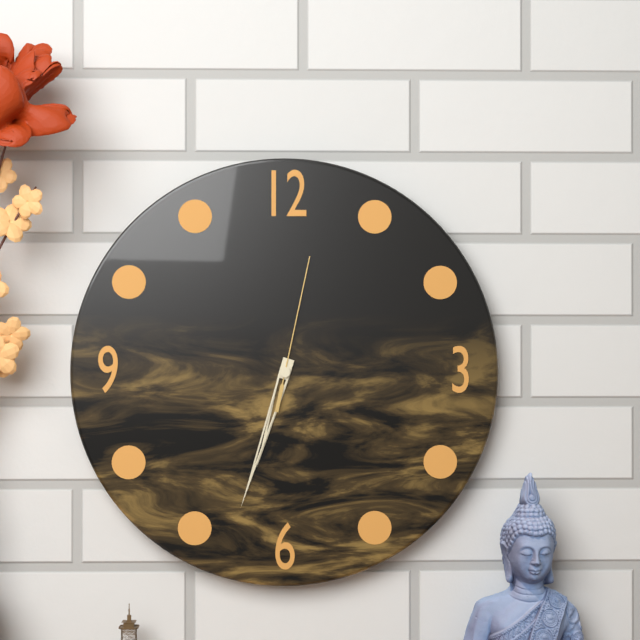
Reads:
{"hour": 6, "minute": 33, "second": 2}
